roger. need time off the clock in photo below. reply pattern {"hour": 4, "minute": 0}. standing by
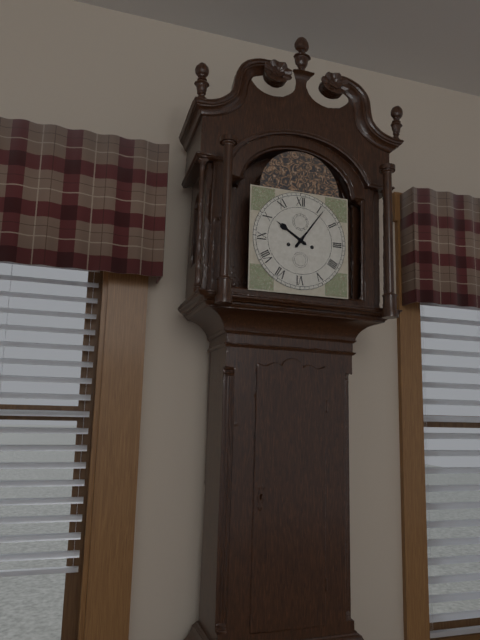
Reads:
{"hour": 10, "minute": 6}
